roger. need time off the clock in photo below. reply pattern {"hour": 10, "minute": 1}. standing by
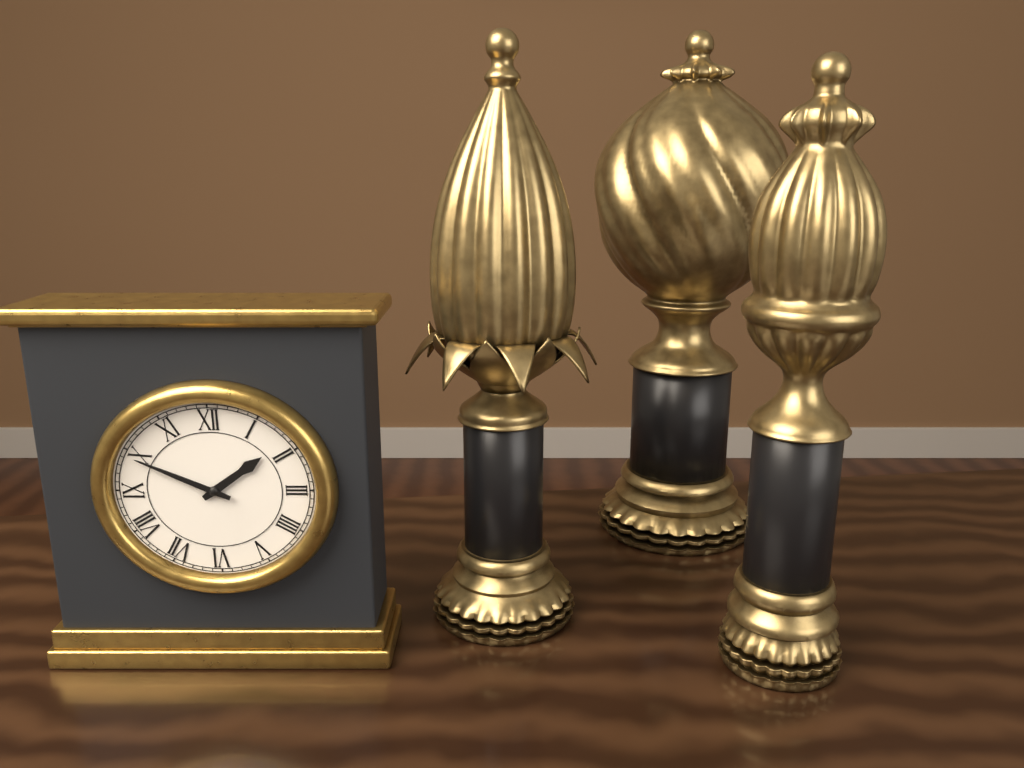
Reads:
{"hour": 1, "minute": 49}
